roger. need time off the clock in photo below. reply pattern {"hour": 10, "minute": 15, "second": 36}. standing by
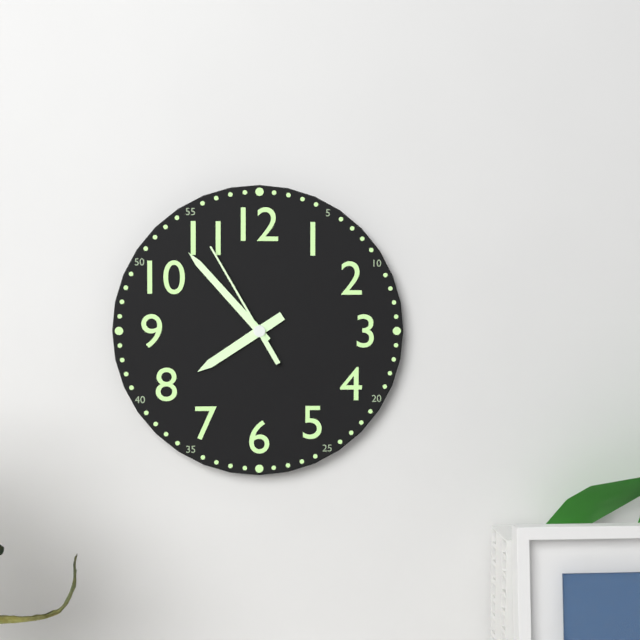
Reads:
{"hour": 7, "minute": 53, "second": 55}
